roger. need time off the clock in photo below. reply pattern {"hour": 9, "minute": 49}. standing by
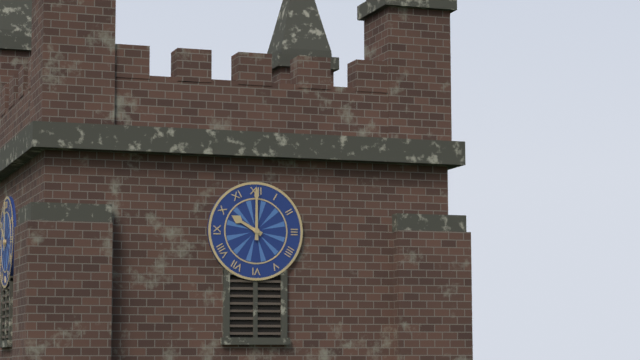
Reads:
{"hour": 10, "minute": 0}
